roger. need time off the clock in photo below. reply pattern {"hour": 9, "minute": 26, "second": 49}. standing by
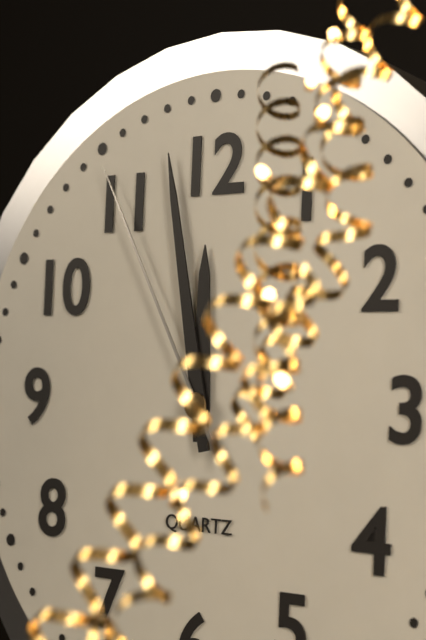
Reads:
{"hour": 11, "minute": 58, "second": 55}
